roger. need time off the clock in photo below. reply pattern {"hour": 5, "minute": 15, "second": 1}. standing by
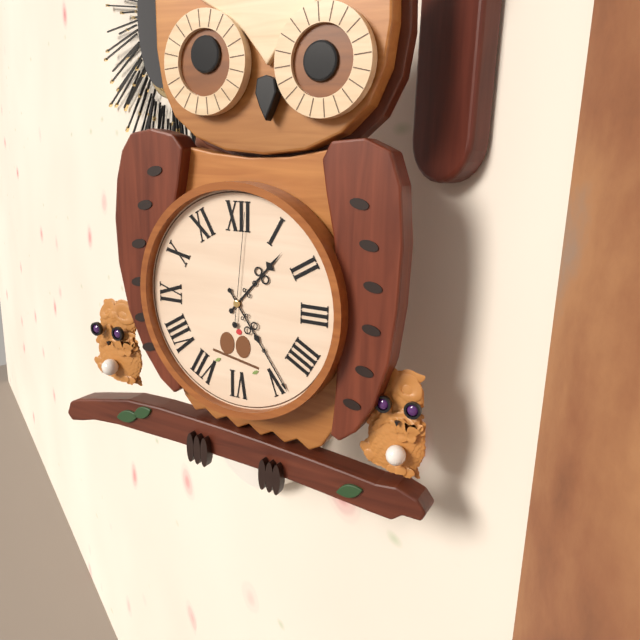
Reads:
{"hour": 1, "minute": 24, "second": 1}
